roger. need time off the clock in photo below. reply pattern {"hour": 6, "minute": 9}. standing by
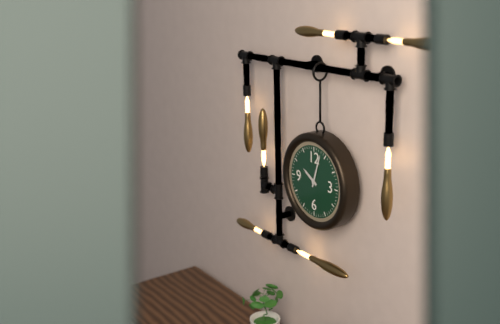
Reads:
{"hour": 10, "minute": 3}
